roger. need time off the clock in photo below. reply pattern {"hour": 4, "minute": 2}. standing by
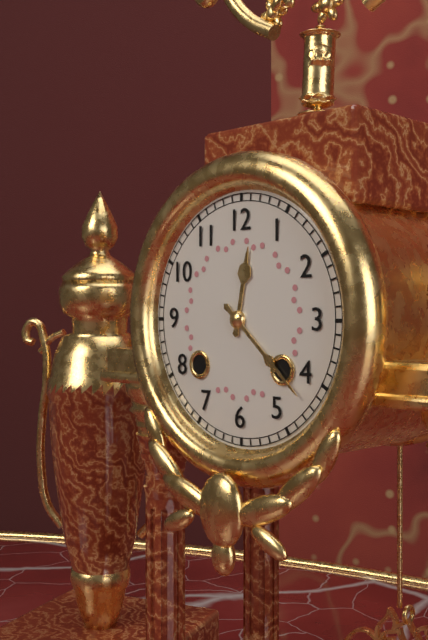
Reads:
{"hour": 12, "minute": 22}
